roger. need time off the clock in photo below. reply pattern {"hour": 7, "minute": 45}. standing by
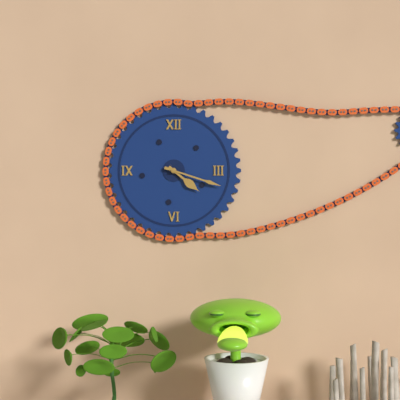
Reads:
{"hour": 4, "minute": 18}
